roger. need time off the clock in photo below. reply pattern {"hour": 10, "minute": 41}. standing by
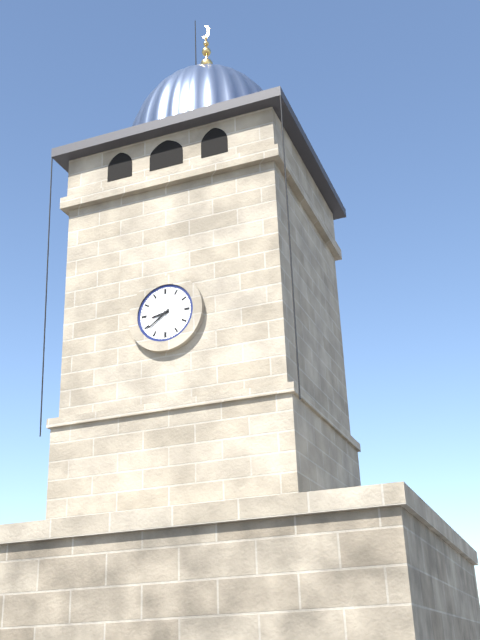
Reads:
{"hour": 8, "minute": 39}
